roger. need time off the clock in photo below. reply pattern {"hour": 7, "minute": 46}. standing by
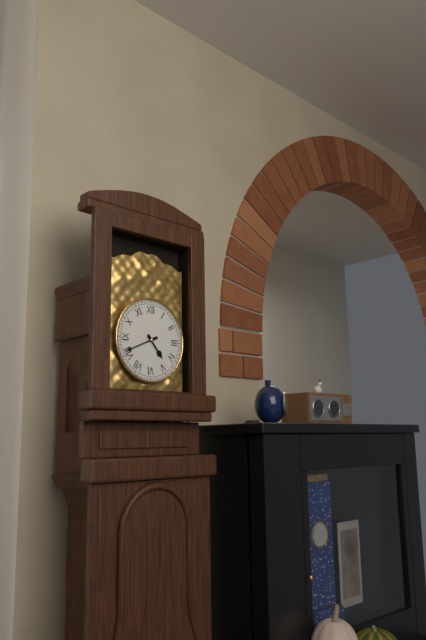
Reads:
{"hour": 4, "minute": 41}
